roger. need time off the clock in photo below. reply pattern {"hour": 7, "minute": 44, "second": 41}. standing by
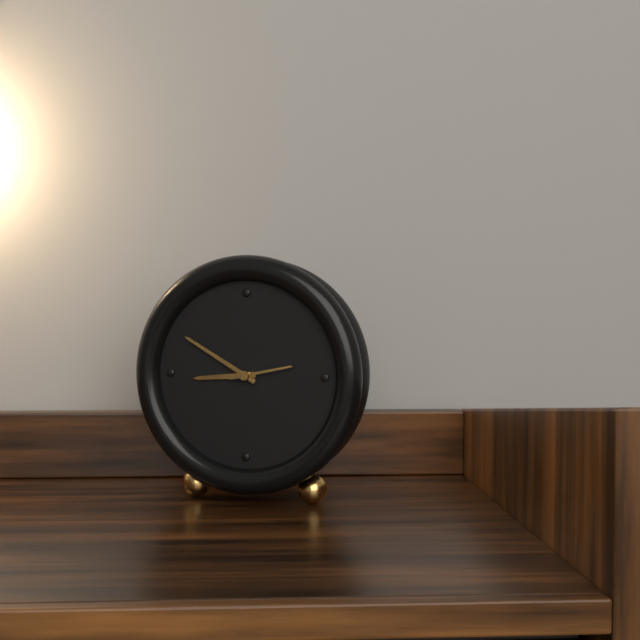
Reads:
{"hour": 8, "minute": 50, "second": 13}
